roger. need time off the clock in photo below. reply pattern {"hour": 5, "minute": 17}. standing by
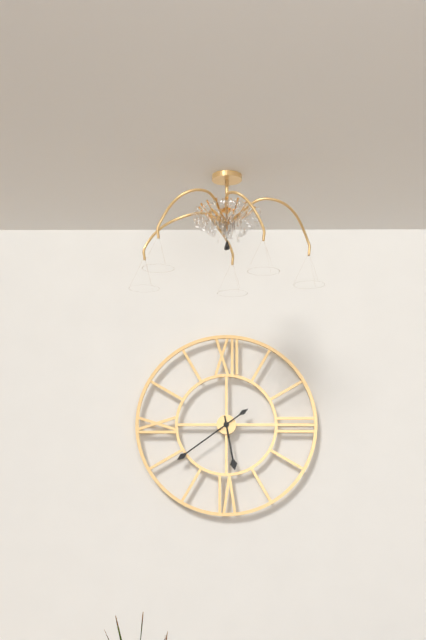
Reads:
{"hour": 5, "minute": 39}
